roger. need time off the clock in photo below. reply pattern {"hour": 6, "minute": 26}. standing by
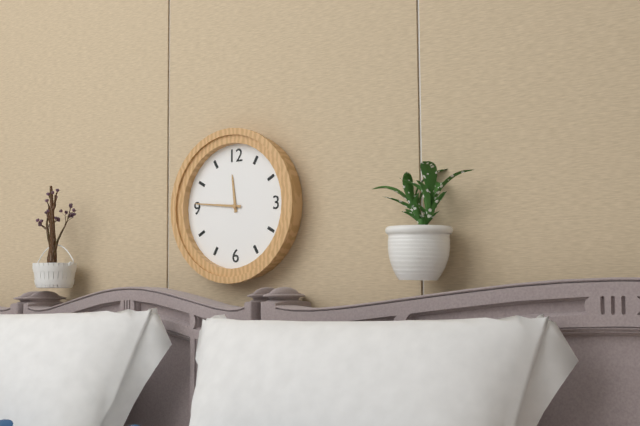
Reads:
{"hour": 11, "minute": 46}
